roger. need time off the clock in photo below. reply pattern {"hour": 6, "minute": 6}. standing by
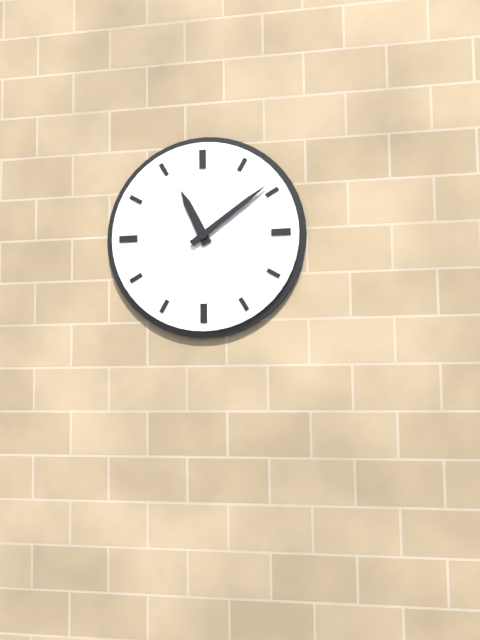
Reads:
{"hour": 11, "minute": 9}
